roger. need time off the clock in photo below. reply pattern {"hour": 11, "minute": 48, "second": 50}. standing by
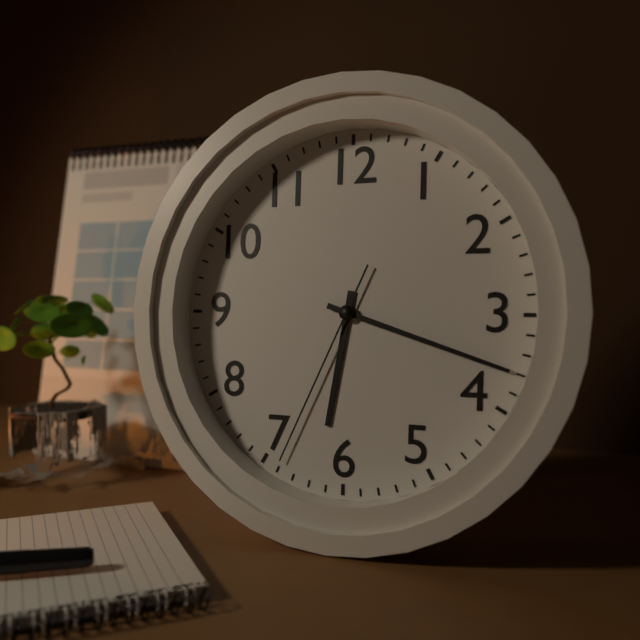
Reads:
{"hour": 6, "minute": 18, "second": 34}
